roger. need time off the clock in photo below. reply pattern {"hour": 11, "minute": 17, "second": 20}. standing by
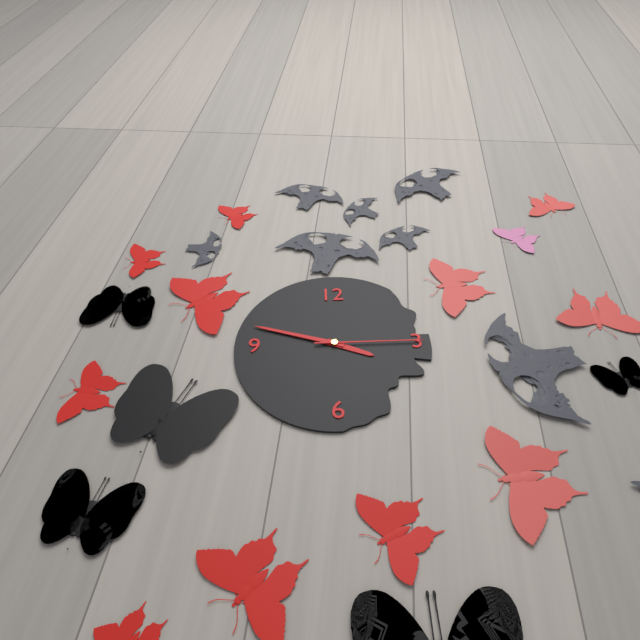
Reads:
{"hour": 3, "minute": 48, "second": 15}
